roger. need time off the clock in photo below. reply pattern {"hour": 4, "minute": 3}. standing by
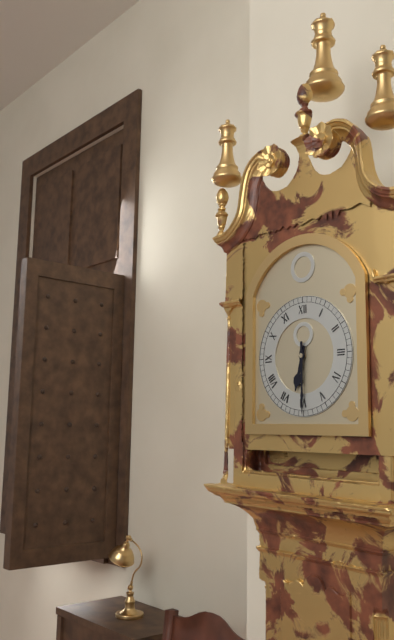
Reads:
{"hour": 6, "minute": 30}
